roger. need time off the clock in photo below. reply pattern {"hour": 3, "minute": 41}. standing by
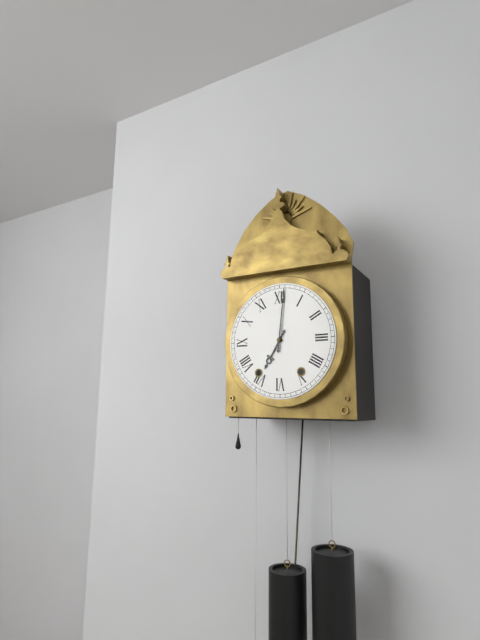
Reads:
{"hour": 7, "minute": 1}
